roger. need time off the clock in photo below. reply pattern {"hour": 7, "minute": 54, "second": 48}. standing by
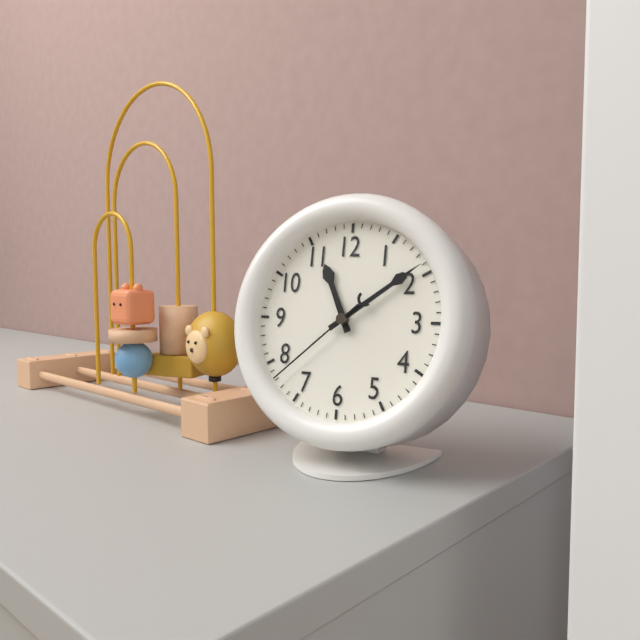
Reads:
{"hour": 11, "minute": 9, "second": 38}
